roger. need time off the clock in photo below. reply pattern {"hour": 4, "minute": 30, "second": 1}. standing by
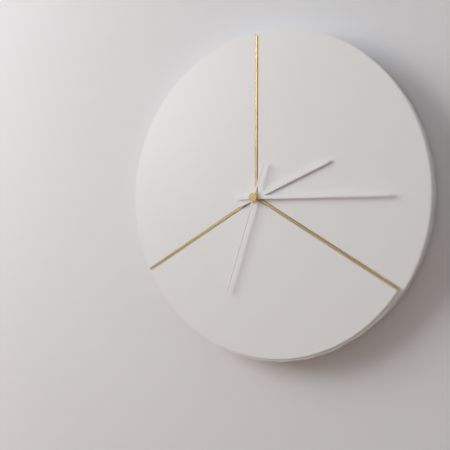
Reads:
{"hour": 2, "minute": 15, "second": 33}
